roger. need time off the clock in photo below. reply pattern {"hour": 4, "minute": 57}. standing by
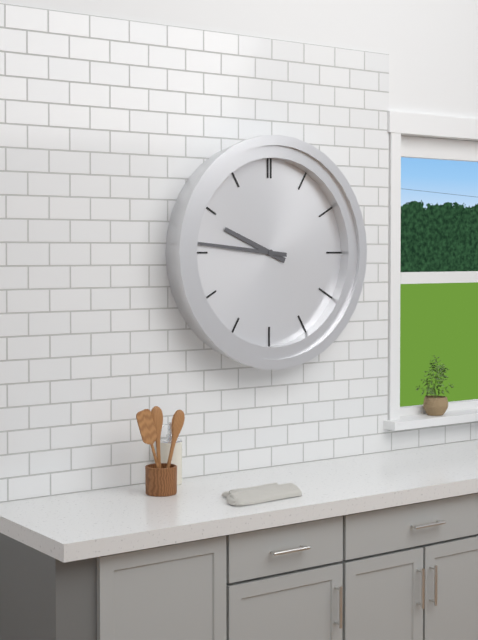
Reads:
{"hour": 9, "minute": 46}
